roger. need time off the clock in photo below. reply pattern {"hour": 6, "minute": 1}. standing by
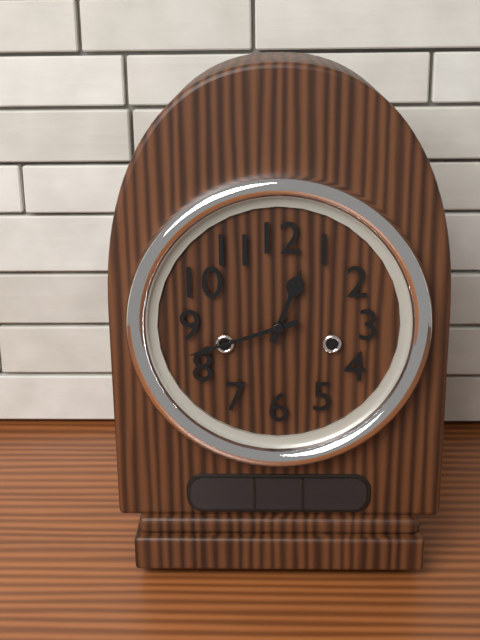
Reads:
{"hour": 12, "minute": 42}
